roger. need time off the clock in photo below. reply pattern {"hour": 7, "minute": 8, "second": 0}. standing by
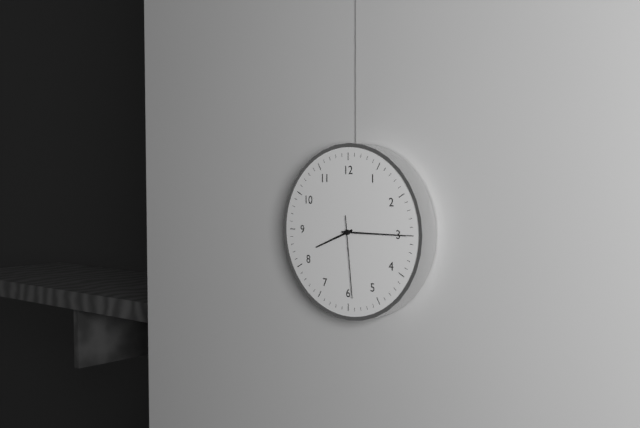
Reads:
{"hour": 8, "minute": 15, "second": 29}
